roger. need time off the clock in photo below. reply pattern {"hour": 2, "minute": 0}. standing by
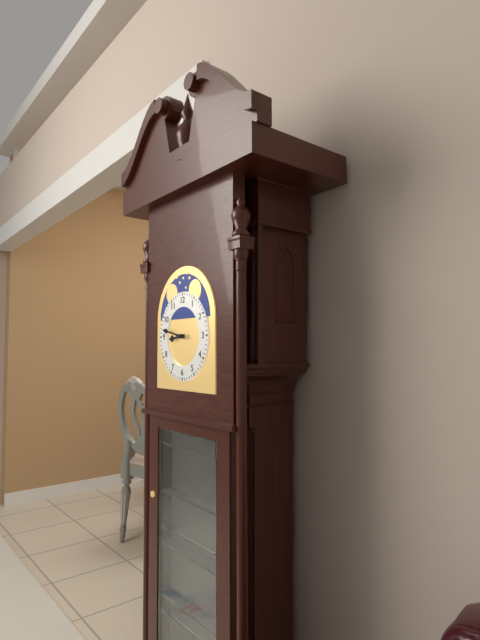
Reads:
{"hour": 8, "minute": 47}
